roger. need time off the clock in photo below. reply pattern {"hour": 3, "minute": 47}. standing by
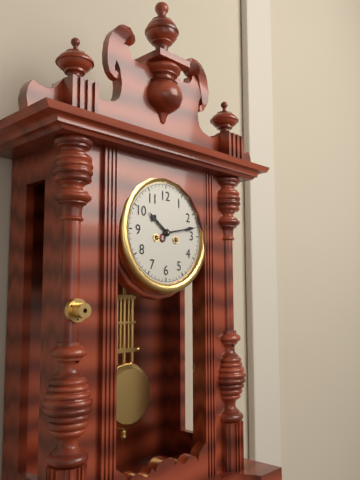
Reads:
{"hour": 10, "minute": 13}
